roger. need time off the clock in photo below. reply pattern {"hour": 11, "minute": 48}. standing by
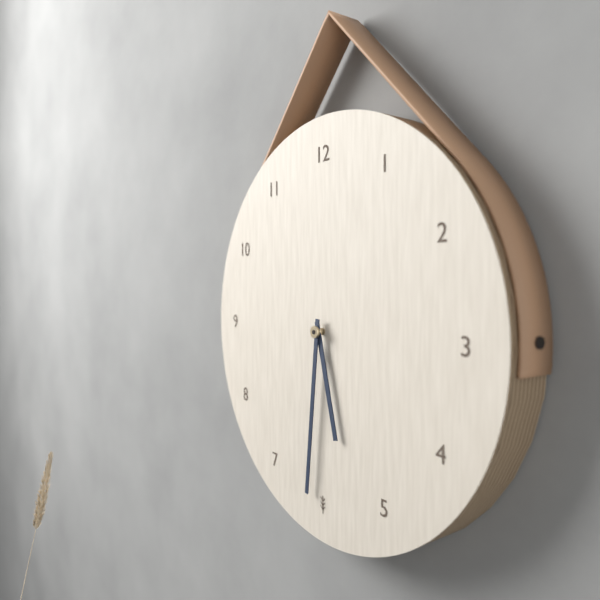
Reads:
{"hour": 5, "minute": 31}
